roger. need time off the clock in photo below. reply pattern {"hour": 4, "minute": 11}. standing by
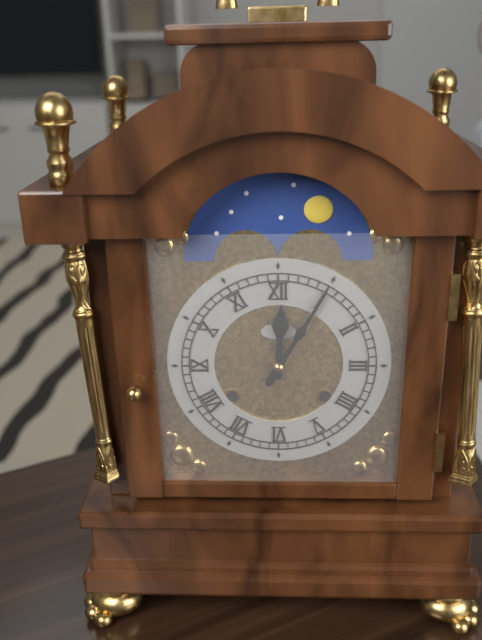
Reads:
{"hour": 12, "minute": 5}
